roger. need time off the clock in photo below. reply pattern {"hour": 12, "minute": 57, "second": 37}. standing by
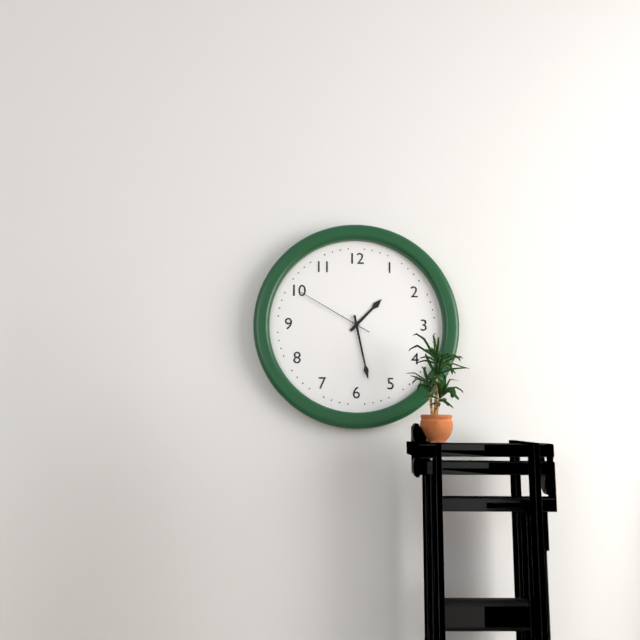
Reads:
{"hour": 1, "minute": 28, "second": 50}
